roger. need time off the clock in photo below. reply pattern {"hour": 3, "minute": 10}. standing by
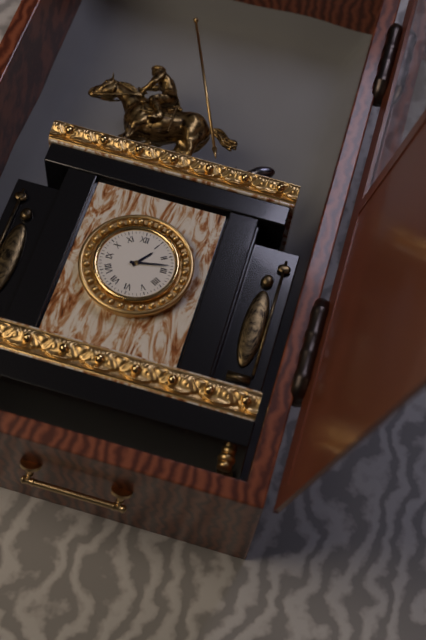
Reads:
{"hour": 1, "minute": 13}
